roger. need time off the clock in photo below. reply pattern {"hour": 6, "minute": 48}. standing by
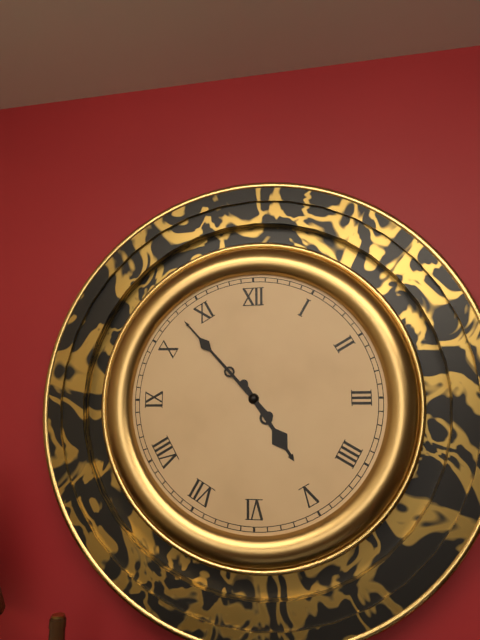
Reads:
{"hour": 4, "minute": 53}
